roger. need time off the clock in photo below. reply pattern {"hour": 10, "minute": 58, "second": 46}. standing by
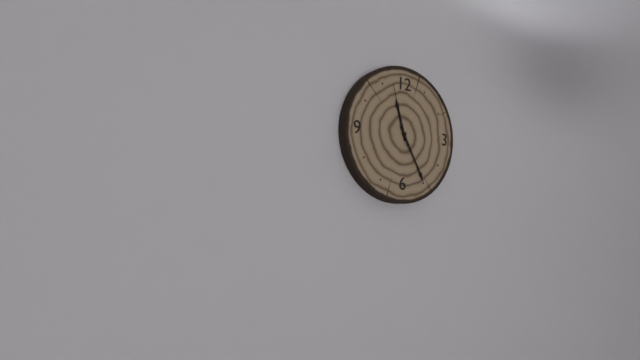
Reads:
{"hour": 11, "minute": 25, "second": 57}
